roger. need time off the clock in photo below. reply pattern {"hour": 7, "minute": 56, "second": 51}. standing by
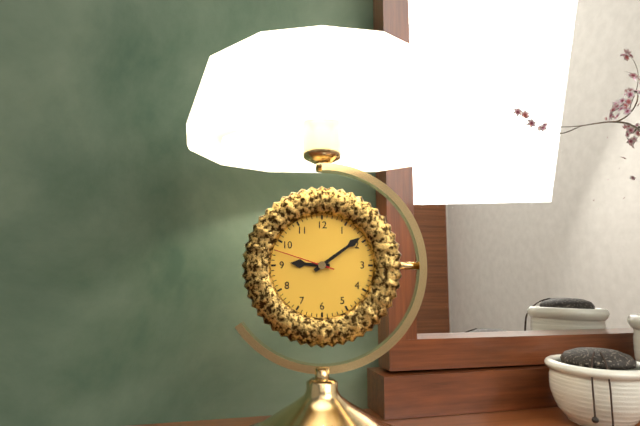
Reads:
{"hour": 9, "minute": 9, "second": 48}
